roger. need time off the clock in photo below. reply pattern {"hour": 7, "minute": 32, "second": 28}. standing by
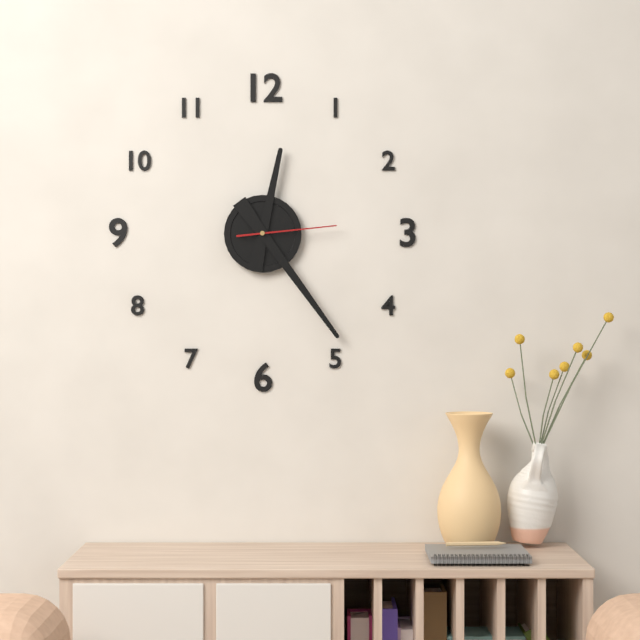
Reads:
{"hour": 12, "minute": 24, "second": 14}
